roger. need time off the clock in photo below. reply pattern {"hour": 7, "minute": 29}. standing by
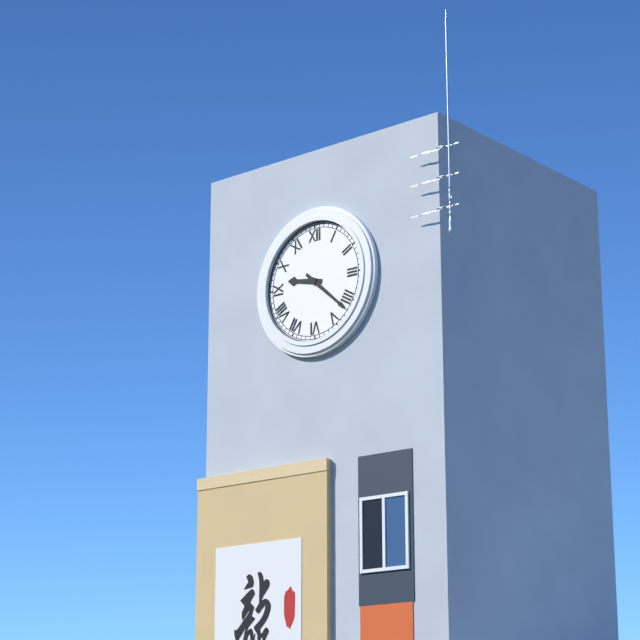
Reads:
{"hour": 9, "minute": 22}
